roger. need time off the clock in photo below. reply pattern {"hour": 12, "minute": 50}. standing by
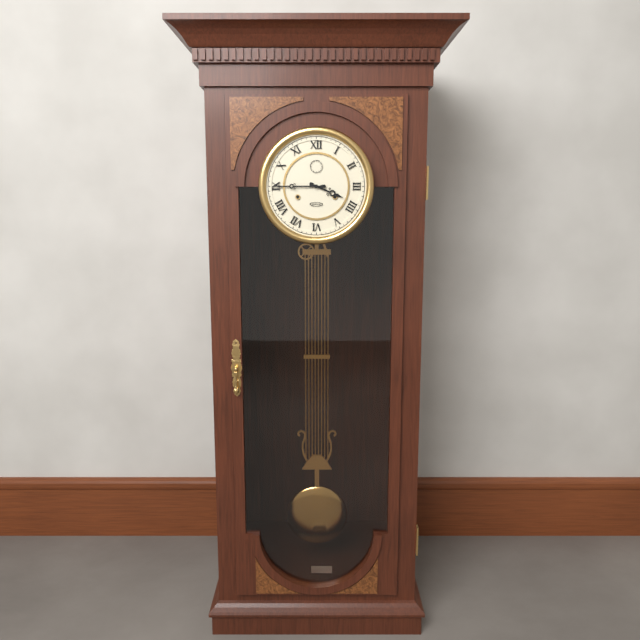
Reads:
{"hour": 3, "minute": 45}
